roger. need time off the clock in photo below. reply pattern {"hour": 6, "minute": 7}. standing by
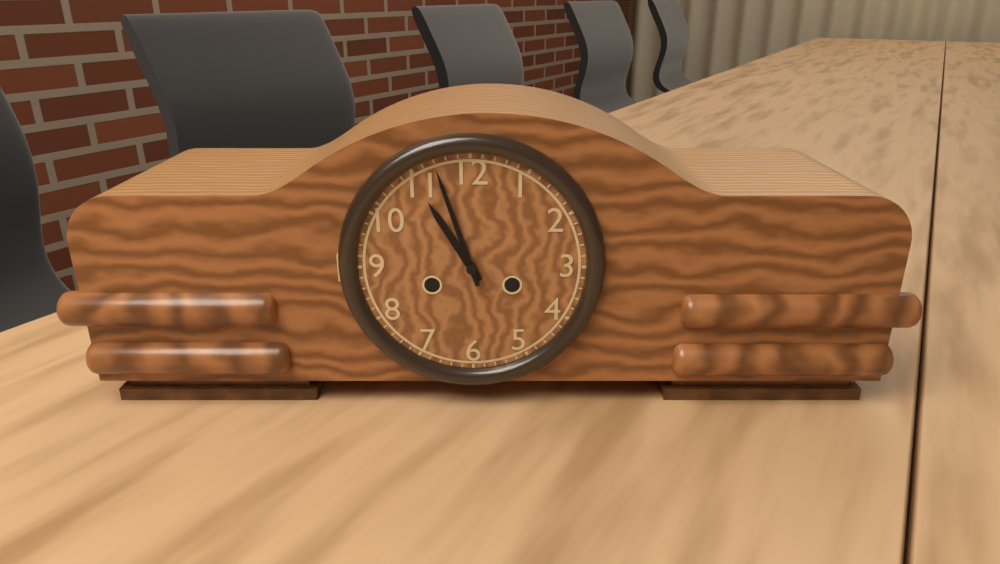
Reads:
{"hour": 10, "minute": 57}
